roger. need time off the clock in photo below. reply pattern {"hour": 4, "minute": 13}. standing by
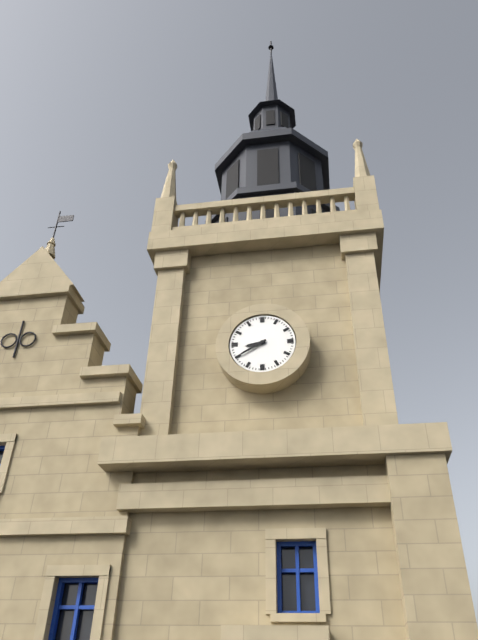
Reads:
{"hour": 8, "minute": 40}
